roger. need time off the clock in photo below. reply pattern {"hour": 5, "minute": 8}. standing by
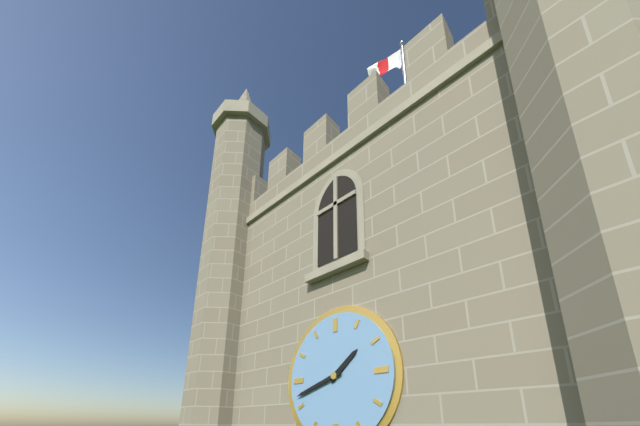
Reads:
{"hour": 1, "minute": 42}
